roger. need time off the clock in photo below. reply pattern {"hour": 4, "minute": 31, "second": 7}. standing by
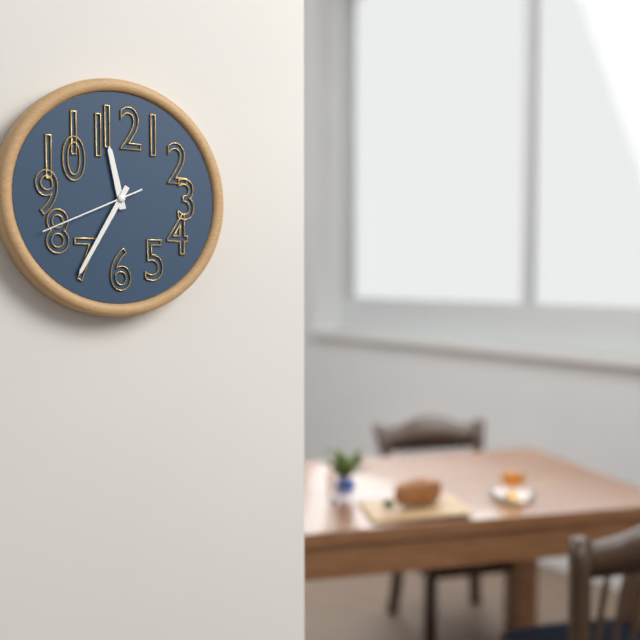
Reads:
{"hour": 11, "minute": 35, "second": 41}
